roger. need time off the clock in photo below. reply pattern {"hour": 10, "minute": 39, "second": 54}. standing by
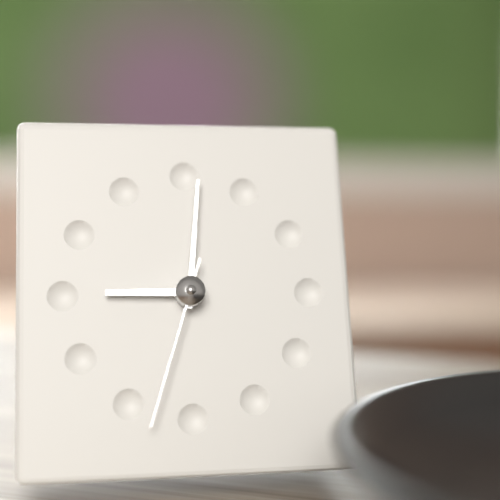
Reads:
{"hour": 9, "minute": 1, "second": 33}
